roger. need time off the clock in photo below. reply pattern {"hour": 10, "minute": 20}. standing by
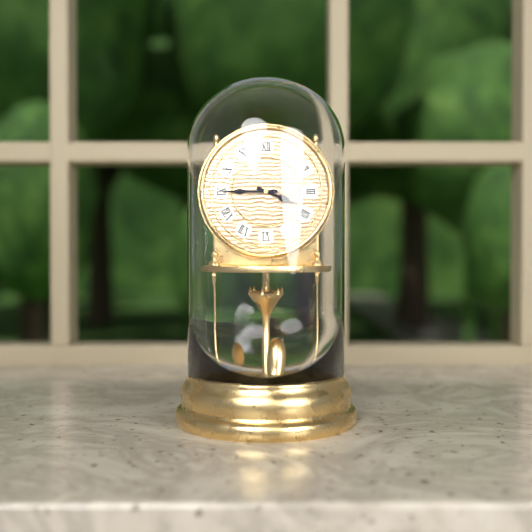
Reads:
{"hour": 3, "minute": 45}
